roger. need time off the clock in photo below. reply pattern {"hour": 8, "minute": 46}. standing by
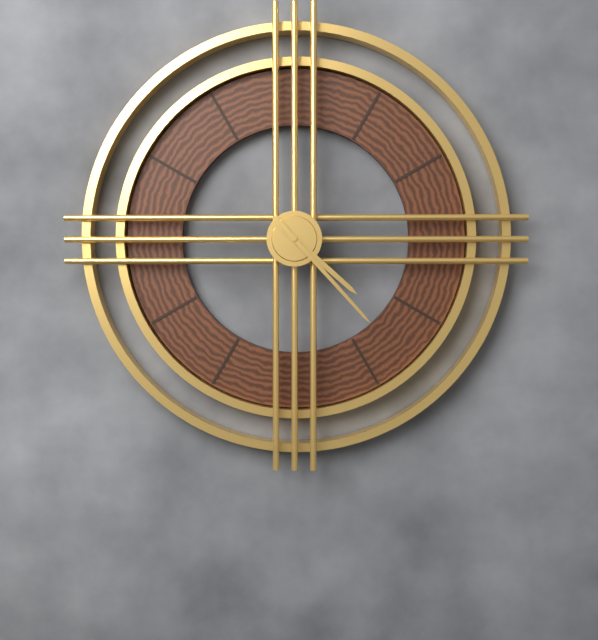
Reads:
{"hour": 4, "minute": 23}
